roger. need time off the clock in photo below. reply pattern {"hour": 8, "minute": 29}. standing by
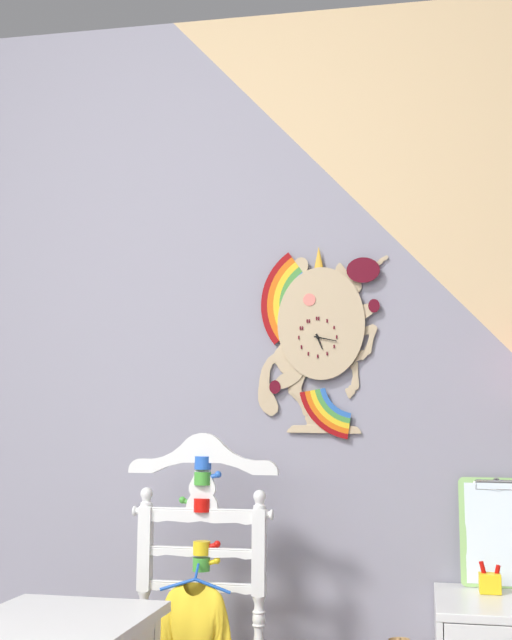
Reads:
{"hour": 5, "minute": 17}
